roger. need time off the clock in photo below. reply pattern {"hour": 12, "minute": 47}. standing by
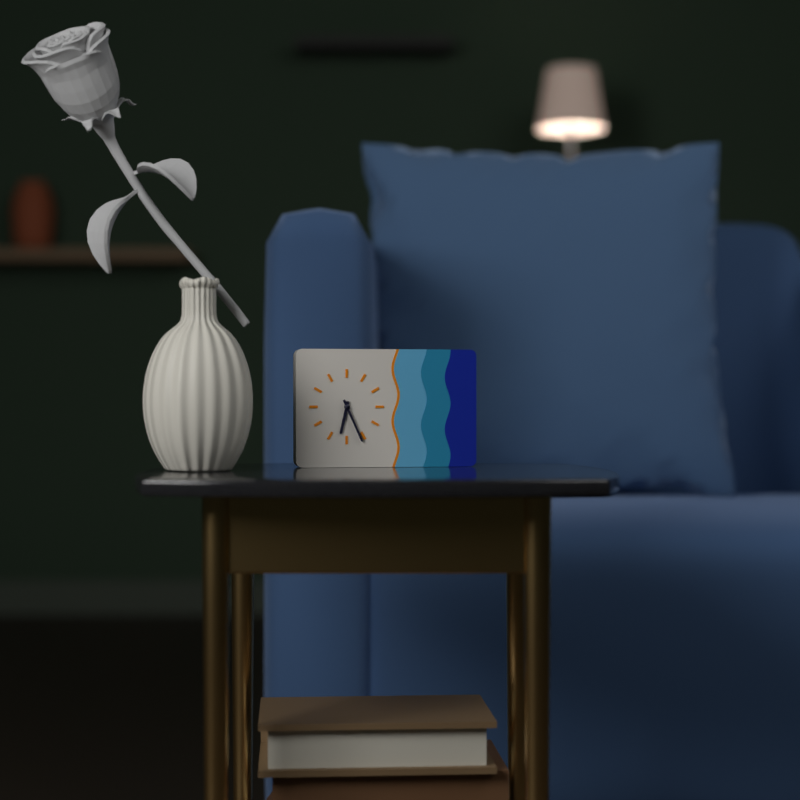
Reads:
{"hour": 6, "minute": 26}
